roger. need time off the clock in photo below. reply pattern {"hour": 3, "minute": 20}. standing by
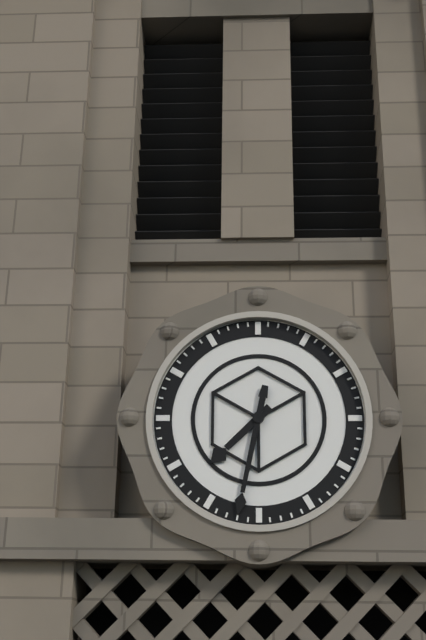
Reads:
{"hour": 7, "minute": 32}
